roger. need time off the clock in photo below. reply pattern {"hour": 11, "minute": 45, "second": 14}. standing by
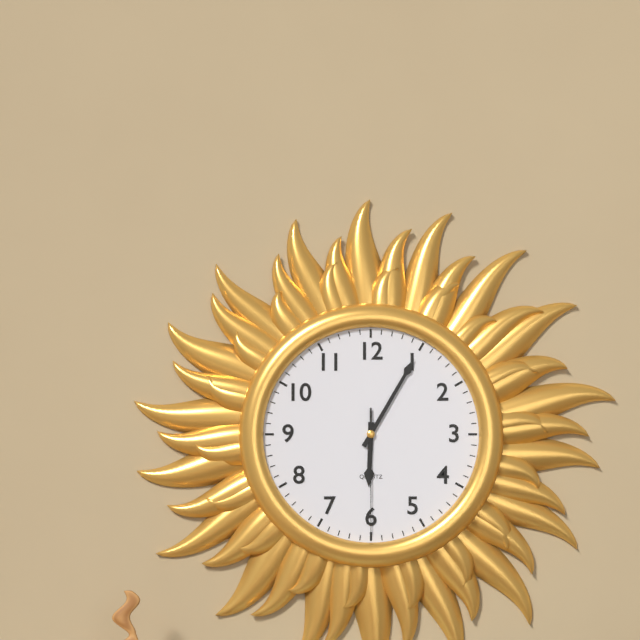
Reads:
{"hour": 6, "minute": 5, "second": 30}
